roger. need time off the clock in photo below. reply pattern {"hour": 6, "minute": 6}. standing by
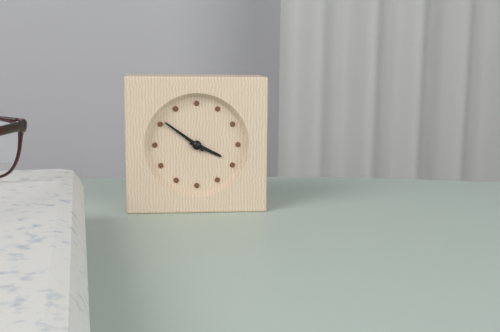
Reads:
{"hour": 3, "minute": 51}
